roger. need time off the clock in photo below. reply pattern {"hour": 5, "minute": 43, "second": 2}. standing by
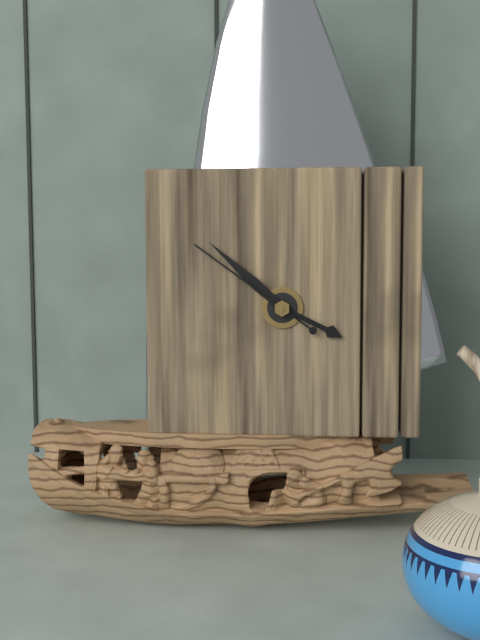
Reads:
{"hour": 3, "minute": 52, "second": 51}
